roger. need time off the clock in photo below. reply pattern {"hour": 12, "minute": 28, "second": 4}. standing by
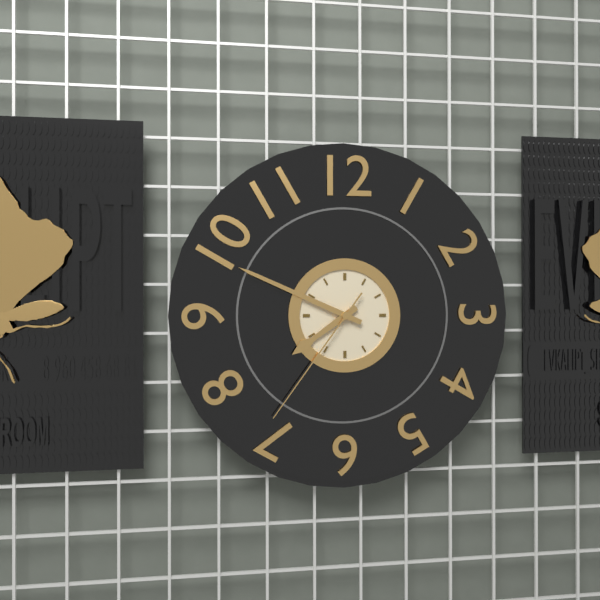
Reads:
{"hour": 7, "minute": 49, "second": 36}
